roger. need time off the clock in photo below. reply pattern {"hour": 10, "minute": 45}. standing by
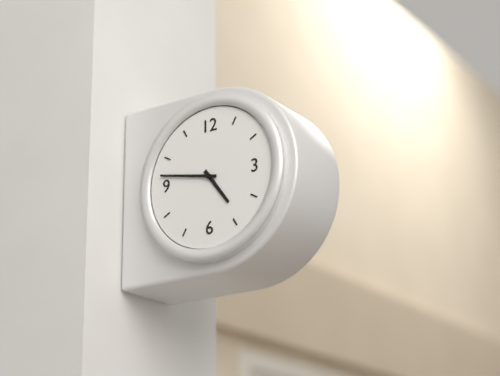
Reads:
{"hour": 4, "minute": 47}
